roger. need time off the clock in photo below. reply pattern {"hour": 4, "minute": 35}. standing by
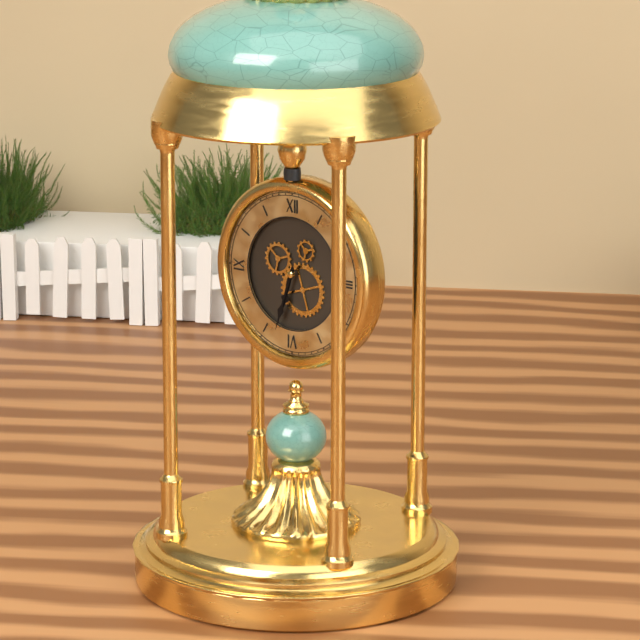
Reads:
{"hour": 6, "minute": 33}
